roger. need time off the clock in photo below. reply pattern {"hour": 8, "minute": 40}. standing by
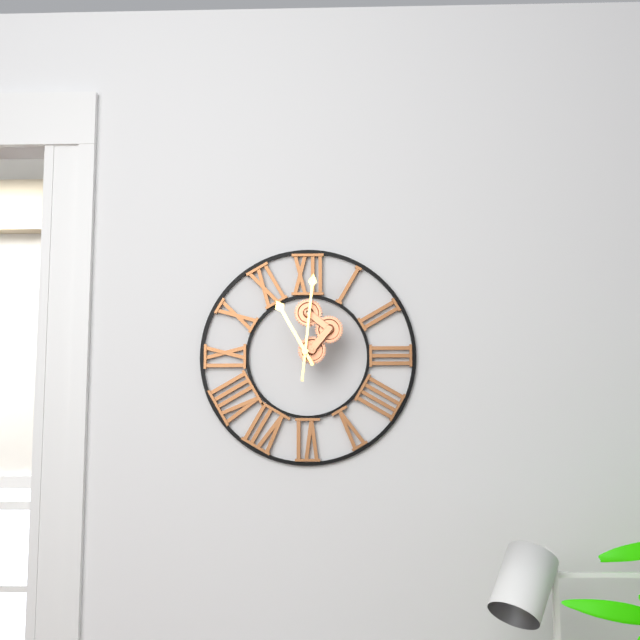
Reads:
{"hour": 11, "minute": 1}
